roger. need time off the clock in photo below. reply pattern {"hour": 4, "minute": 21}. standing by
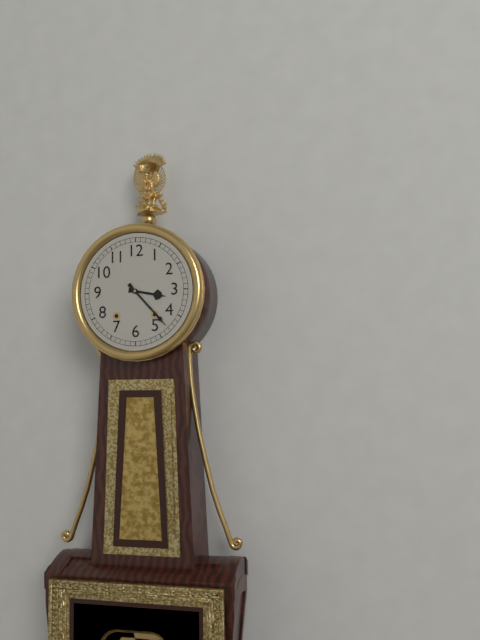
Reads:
{"hour": 3, "minute": 23}
